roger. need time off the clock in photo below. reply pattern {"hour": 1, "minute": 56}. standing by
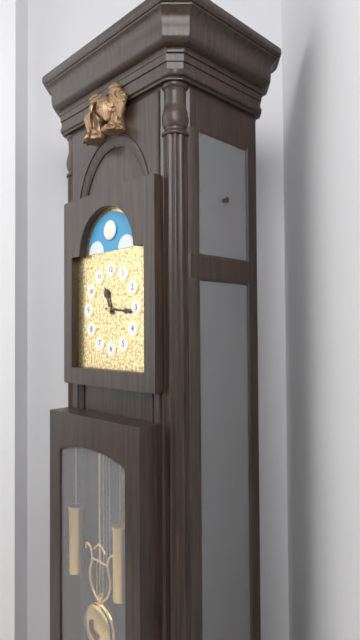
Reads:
{"hour": 11, "minute": 16}
